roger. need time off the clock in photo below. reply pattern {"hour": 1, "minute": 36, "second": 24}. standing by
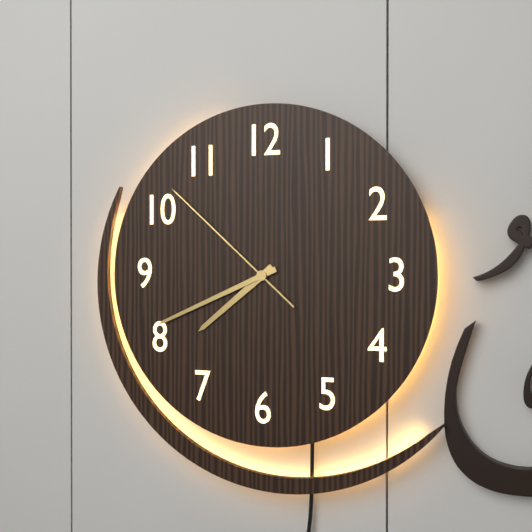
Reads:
{"hour": 7, "minute": 41, "second": 52}
